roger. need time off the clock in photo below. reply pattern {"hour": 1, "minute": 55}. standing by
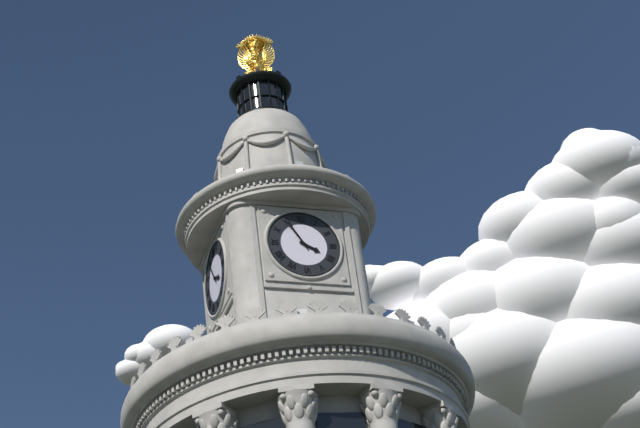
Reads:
{"hour": 3, "minute": 55}
